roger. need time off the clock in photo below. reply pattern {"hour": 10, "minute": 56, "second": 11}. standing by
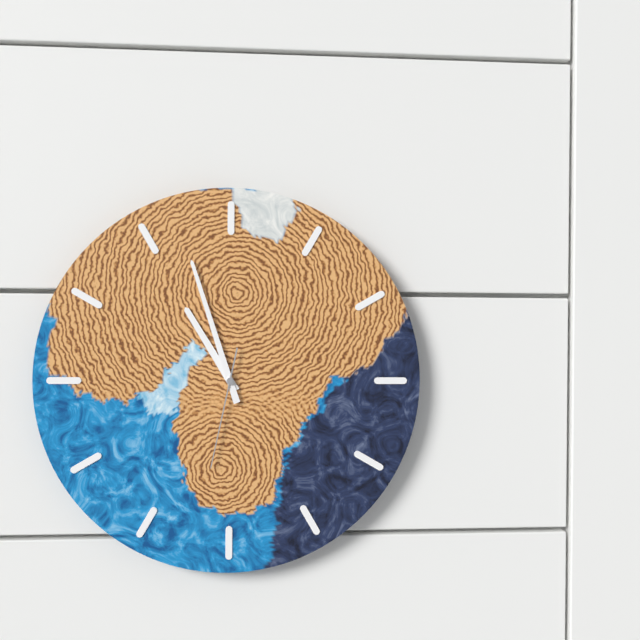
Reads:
{"hour": 10, "minute": 57, "second": 32}
